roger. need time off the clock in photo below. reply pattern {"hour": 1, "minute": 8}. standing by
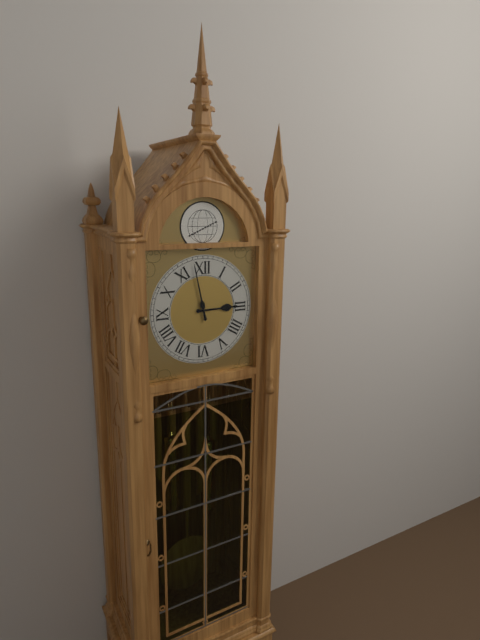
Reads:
{"hour": 2, "minute": 58}
